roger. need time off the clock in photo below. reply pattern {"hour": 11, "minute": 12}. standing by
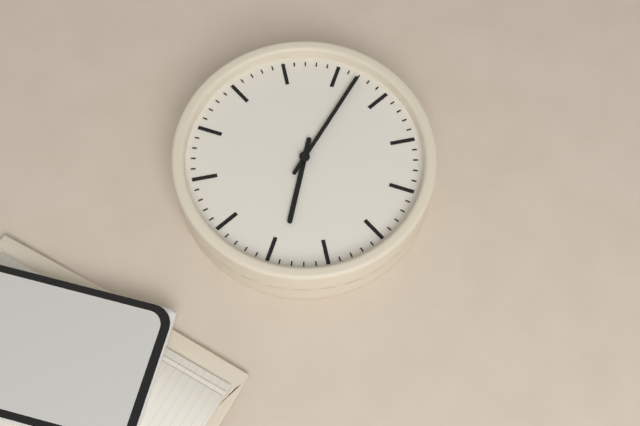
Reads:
{"hour": 2, "minute": 47}
